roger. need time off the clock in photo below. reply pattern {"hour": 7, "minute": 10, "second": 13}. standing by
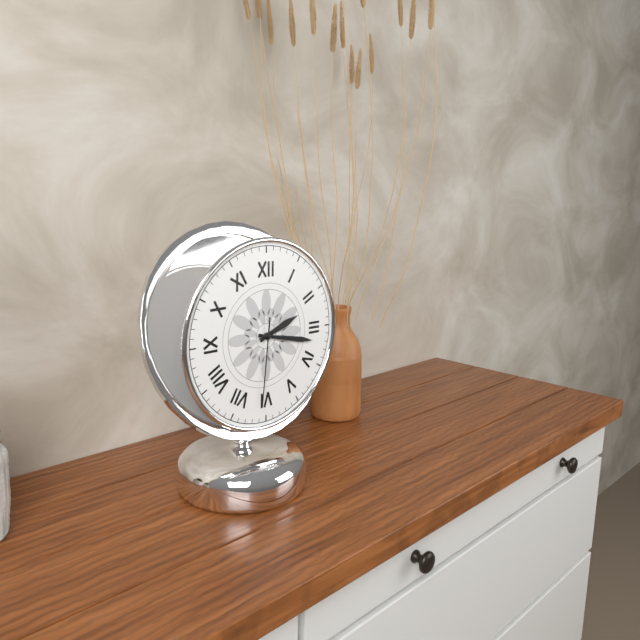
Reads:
{"hour": 2, "minute": 17, "second": 31}
